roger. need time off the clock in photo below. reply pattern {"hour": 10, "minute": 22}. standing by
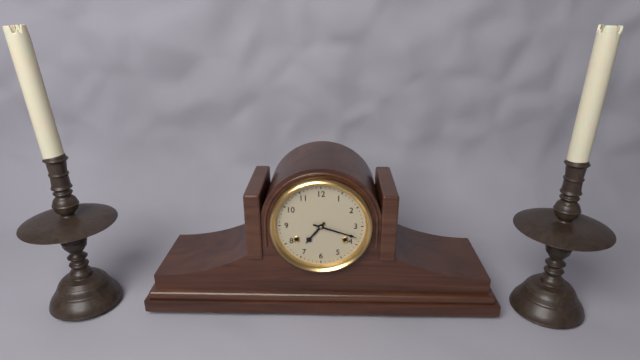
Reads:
{"hour": 7, "minute": 18}
